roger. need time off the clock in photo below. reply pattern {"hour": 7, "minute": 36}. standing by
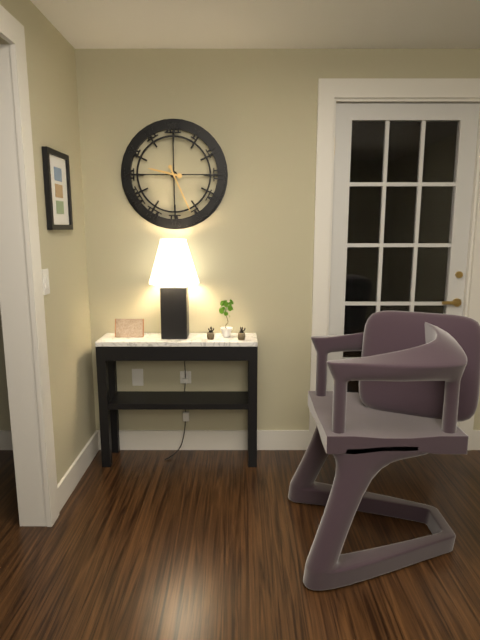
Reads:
{"hour": 9, "minute": 26}
